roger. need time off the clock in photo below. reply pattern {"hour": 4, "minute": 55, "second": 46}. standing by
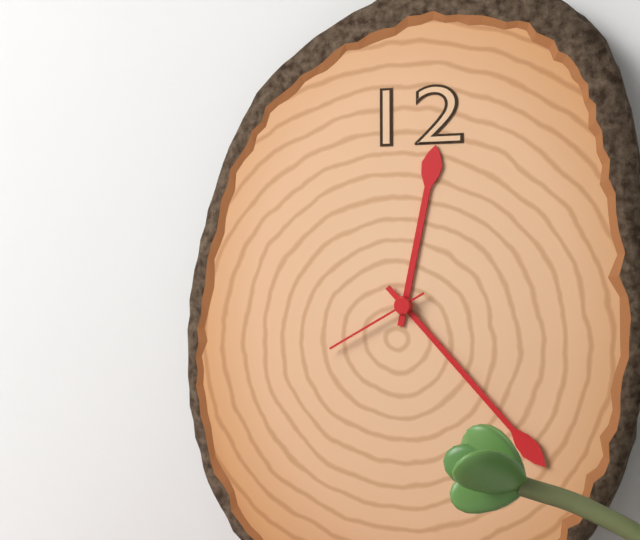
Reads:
{"hour": 12, "minute": 23, "second": 40}
